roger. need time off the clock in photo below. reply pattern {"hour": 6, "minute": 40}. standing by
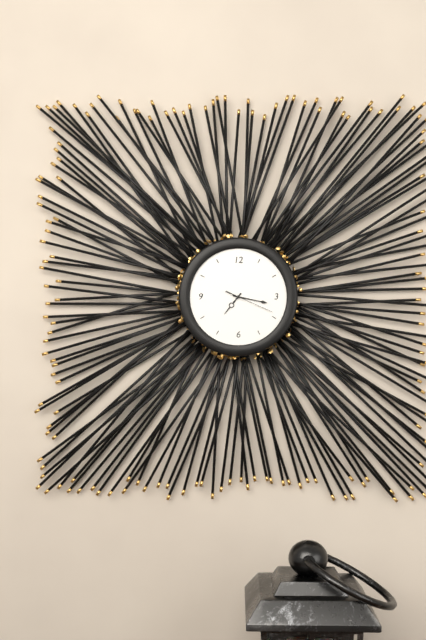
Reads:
{"hour": 7, "minute": 17}
